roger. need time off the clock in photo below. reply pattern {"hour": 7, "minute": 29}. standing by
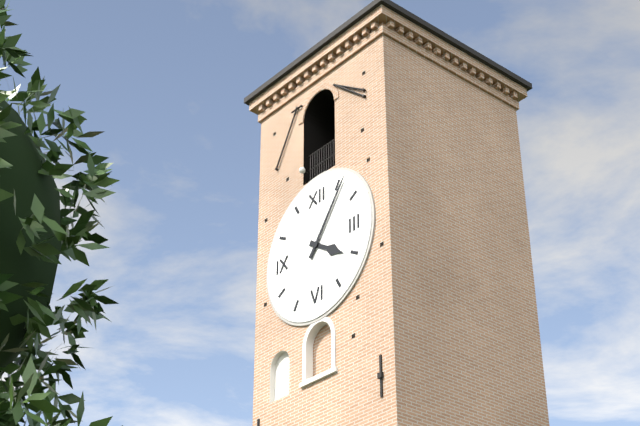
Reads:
{"hour": 4, "minute": 6}
